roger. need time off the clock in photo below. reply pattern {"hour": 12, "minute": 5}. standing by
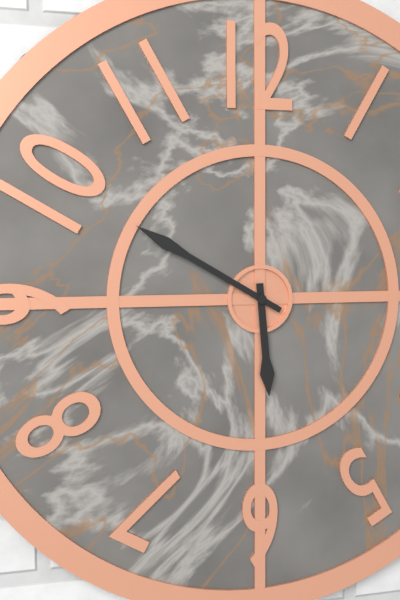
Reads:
{"hour": 5, "minute": 50}
